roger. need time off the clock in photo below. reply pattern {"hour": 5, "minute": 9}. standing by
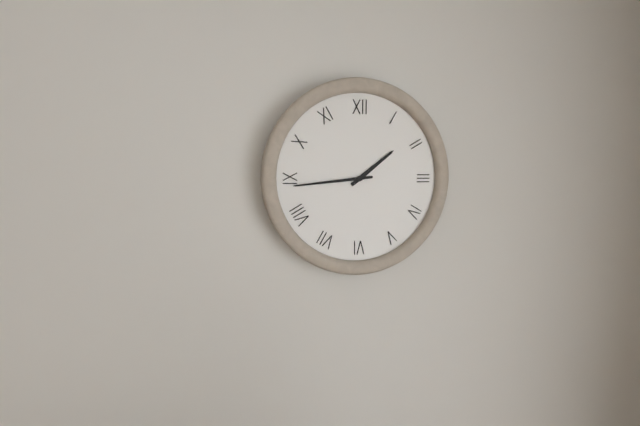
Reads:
{"hour": 1, "minute": 44}
